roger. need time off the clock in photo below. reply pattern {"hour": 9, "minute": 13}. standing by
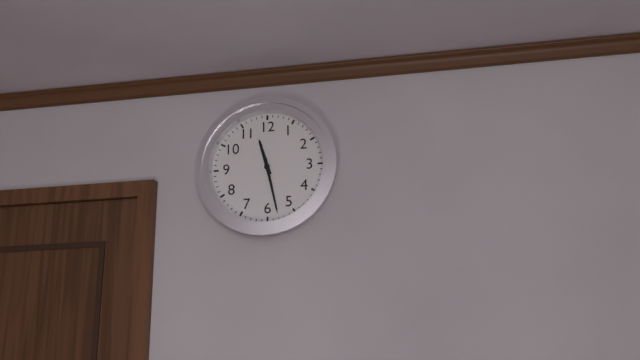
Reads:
{"hour": 11, "minute": 28}
